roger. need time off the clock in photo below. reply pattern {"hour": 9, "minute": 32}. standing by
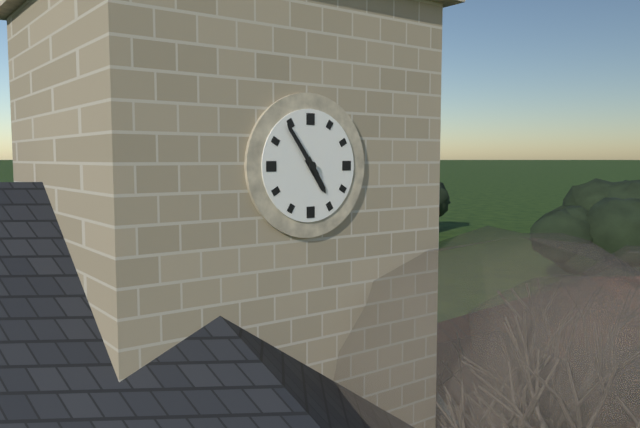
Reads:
{"hour": 4, "minute": 54}
